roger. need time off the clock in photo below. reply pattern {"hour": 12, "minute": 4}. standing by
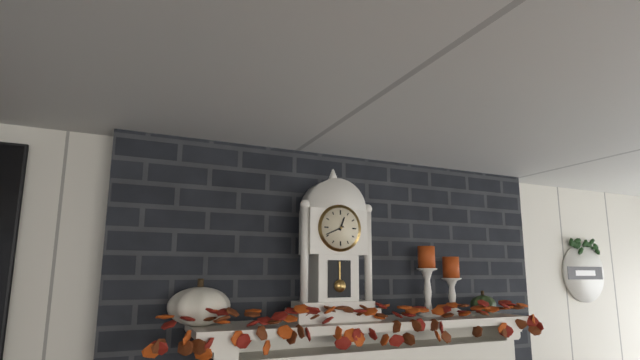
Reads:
{"hour": 12, "minute": 41}
